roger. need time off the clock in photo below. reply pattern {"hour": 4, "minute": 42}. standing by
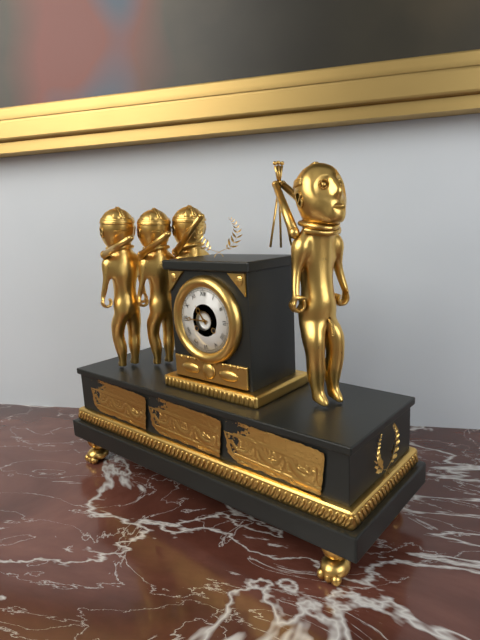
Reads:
{"hour": 10, "minute": 45}
